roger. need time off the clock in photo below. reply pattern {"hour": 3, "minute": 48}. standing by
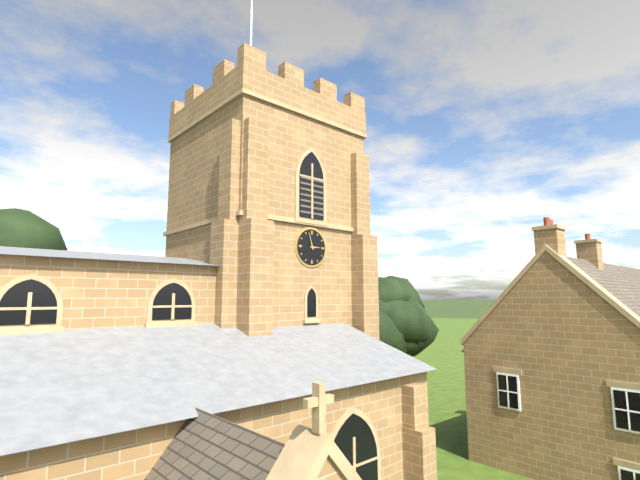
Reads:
{"hour": 2, "minute": 57}
